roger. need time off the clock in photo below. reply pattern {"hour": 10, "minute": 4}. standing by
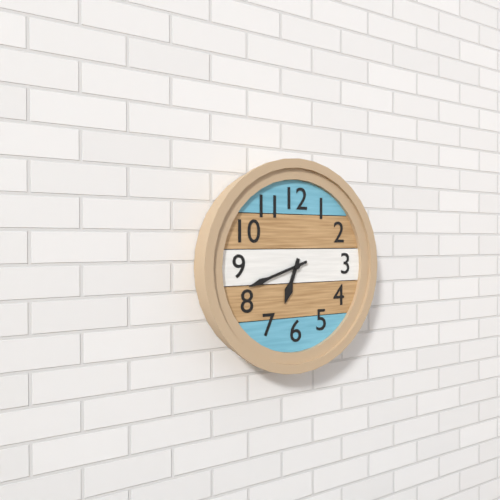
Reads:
{"hour": 6, "minute": 42}
